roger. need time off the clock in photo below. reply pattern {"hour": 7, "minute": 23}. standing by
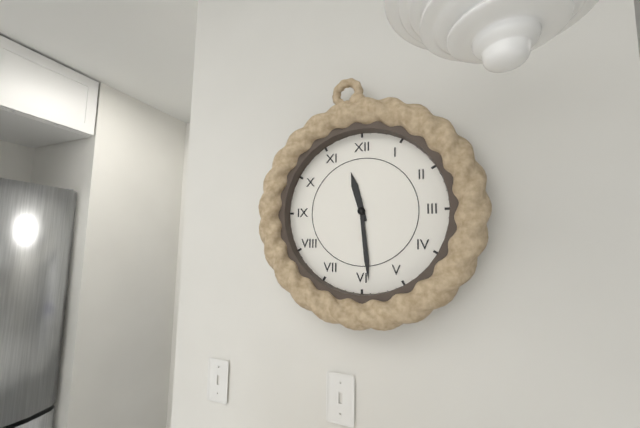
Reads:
{"hour": 11, "minute": 29}
